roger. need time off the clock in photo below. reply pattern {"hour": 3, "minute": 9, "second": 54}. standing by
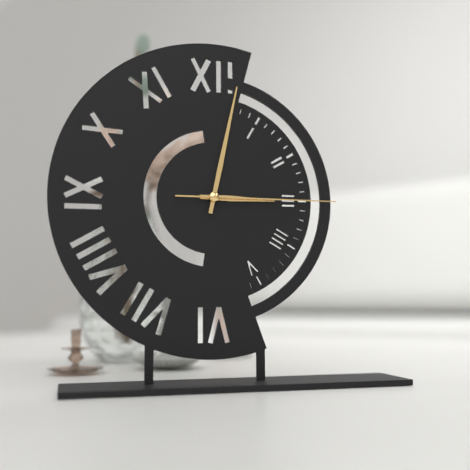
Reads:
{"hour": 3, "minute": 2, "second": 15}
